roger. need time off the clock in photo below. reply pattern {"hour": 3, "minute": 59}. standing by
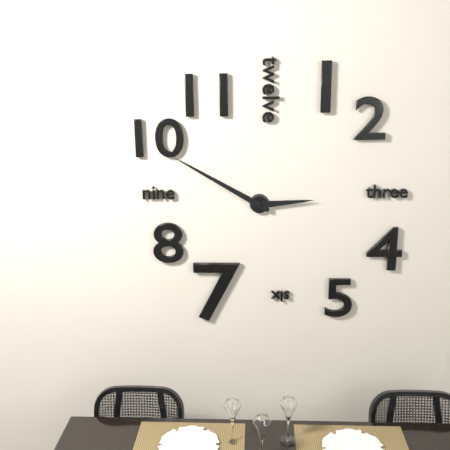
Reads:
{"hour": 2, "minute": 50}
